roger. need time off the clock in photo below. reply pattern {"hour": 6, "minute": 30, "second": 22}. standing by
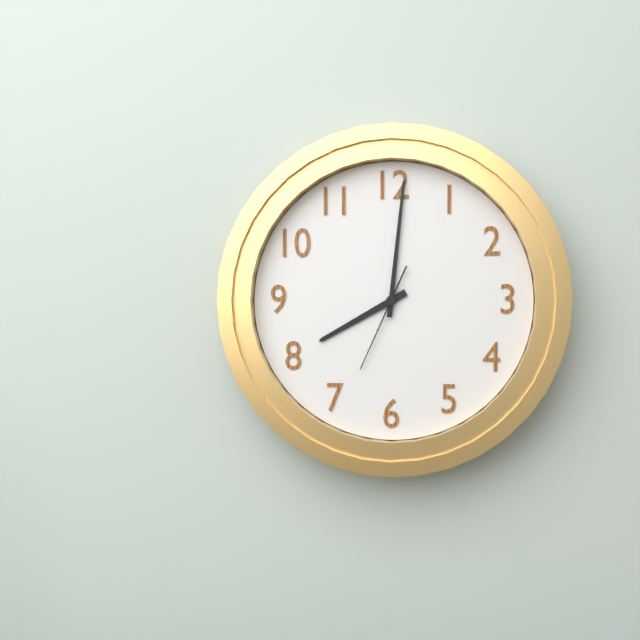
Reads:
{"hour": 8, "minute": 1, "second": 34}
